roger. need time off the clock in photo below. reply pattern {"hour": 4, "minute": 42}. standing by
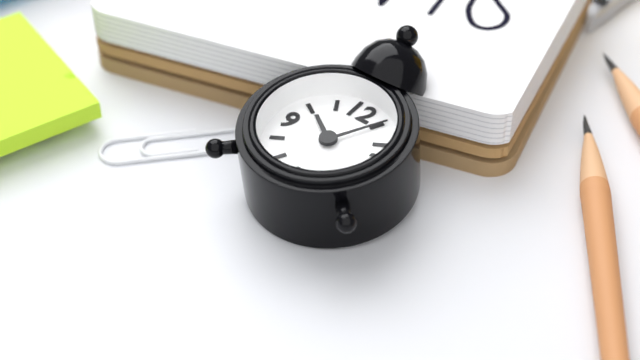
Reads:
{"hour": 10, "minute": 5}
